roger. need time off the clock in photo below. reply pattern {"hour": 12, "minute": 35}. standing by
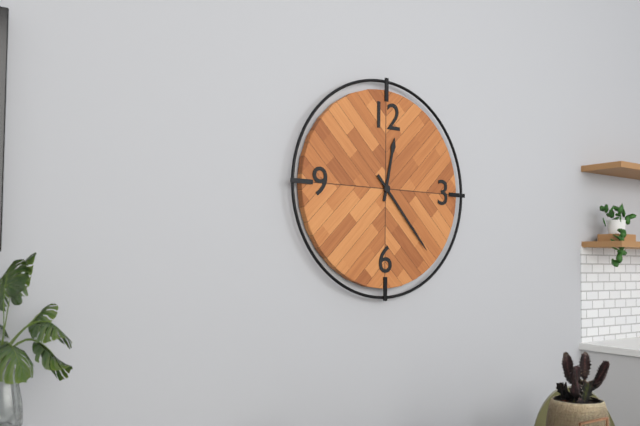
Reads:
{"hour": 12, "minute": 23}
